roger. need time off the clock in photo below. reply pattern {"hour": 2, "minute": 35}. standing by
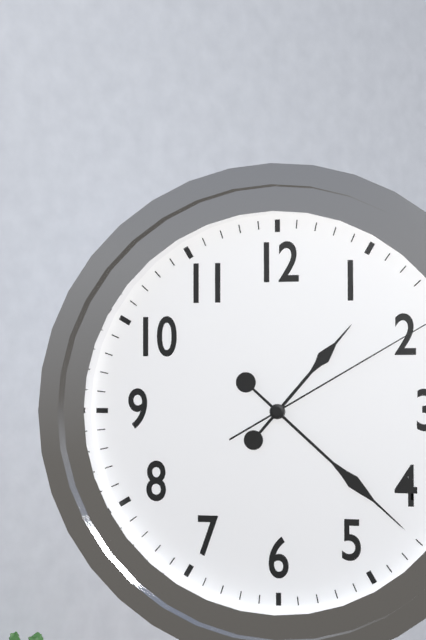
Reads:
{"hour": 1, "minute": 22}
